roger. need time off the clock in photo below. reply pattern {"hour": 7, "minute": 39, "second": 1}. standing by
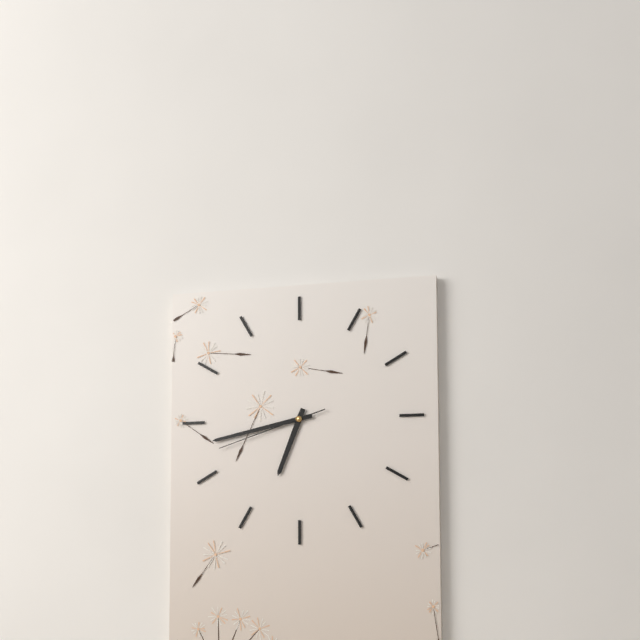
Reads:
{"hour": 6, "minute": 43, "second": 42}
